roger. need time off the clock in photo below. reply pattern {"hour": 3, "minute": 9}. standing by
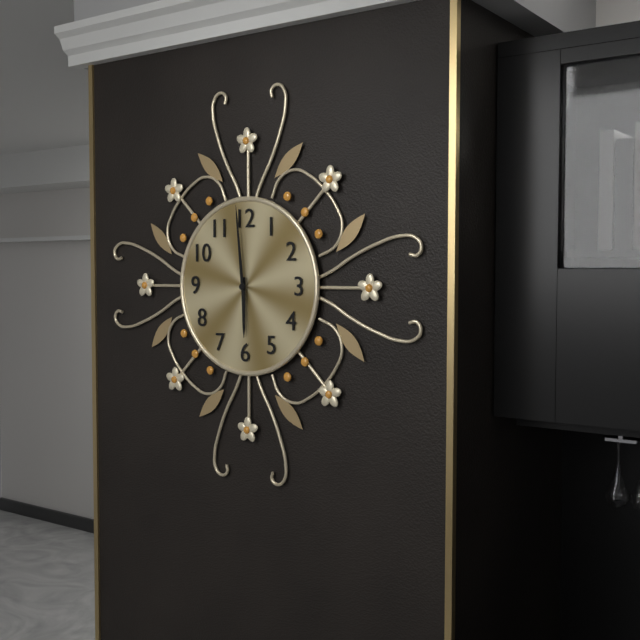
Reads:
{"hour": 5, "minute": 59}
